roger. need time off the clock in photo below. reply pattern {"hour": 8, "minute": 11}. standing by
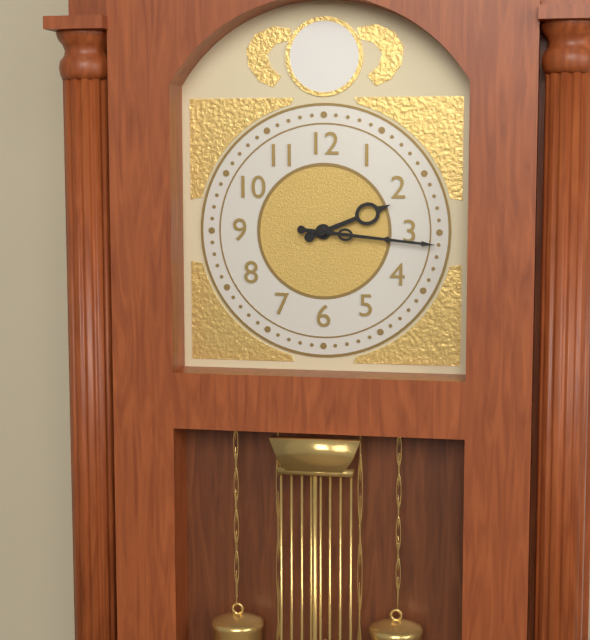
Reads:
{"hour": 2, "minute": 16}
